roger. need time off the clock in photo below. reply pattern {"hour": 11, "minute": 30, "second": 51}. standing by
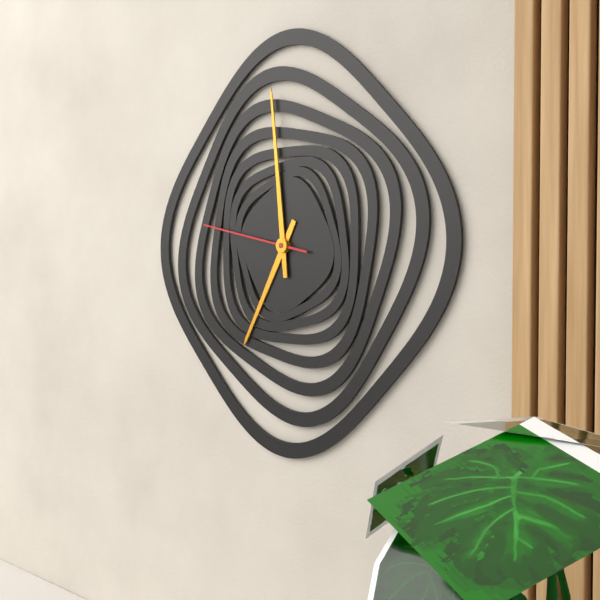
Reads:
{"hour": 6, "minute": 59, "second": 47}
